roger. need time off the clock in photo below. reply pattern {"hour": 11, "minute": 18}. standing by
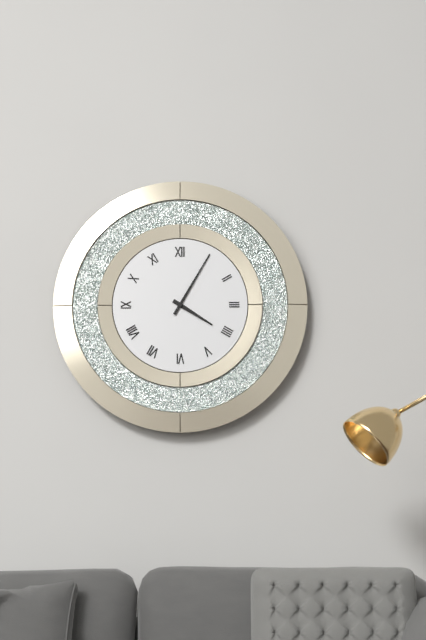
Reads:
{"hour": 4, "minute": 5}
